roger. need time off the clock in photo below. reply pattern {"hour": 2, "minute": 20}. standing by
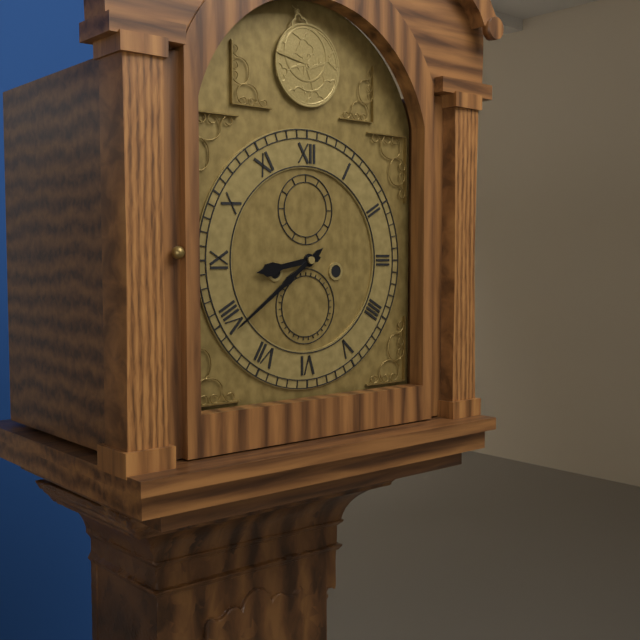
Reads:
{"hour": 8, "minute": 39}
